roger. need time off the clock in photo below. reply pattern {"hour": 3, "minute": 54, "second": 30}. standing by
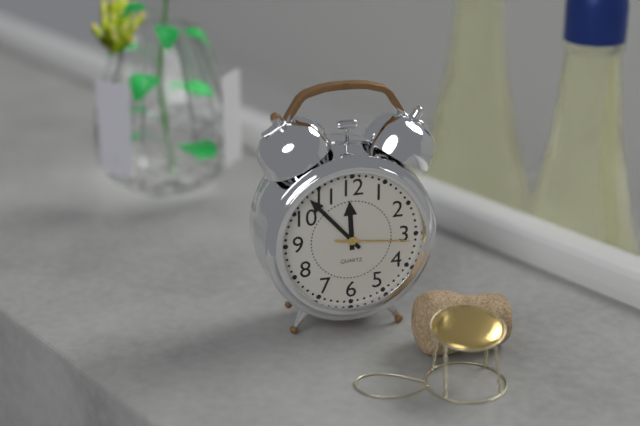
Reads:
{"hour": 11, "minute": 53, "second": 16}
